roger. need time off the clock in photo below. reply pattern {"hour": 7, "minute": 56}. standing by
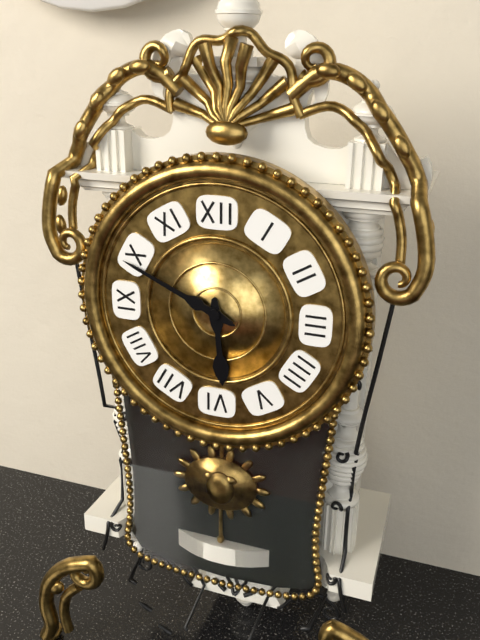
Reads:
{"hour": 5, "minute": 49}
